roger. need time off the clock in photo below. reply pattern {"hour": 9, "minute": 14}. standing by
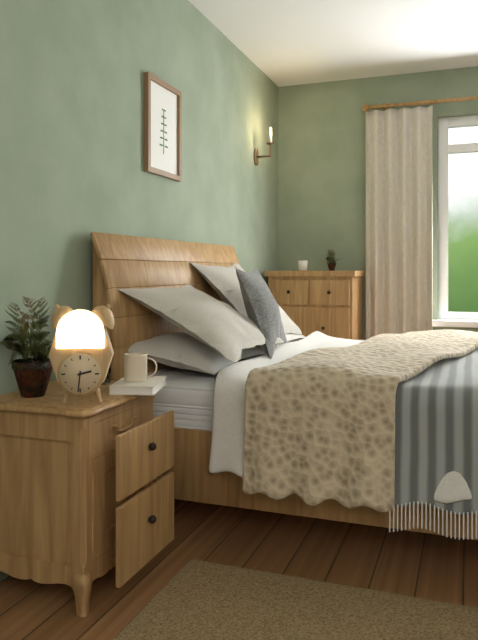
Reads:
{"hour": 2, "minute": 31}
